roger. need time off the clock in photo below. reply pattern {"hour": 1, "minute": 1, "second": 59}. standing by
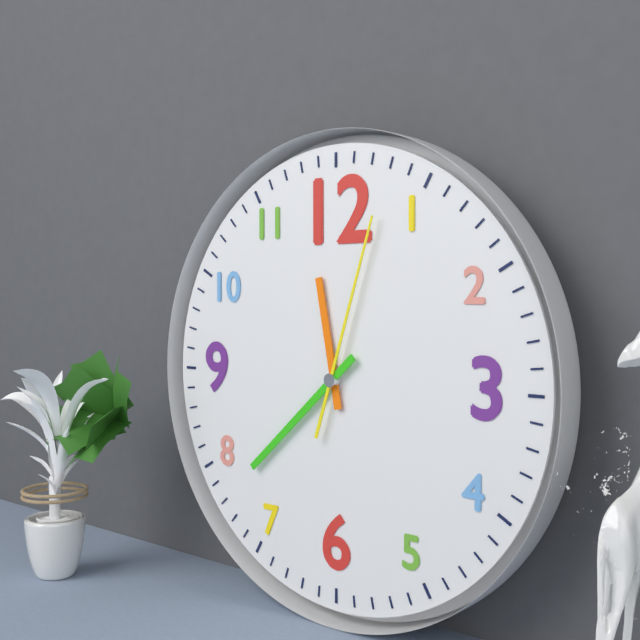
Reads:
{"hour": 11, "minute": 38, "second": 3}
